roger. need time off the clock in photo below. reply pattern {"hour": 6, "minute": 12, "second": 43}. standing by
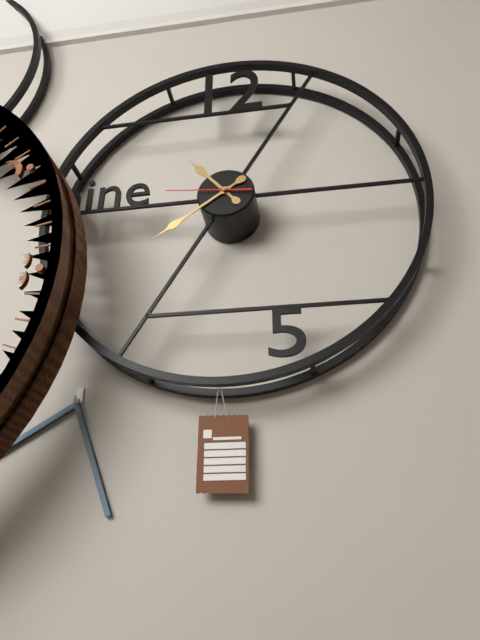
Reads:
{"hour": 10, "minute": 39, "second": 46}
